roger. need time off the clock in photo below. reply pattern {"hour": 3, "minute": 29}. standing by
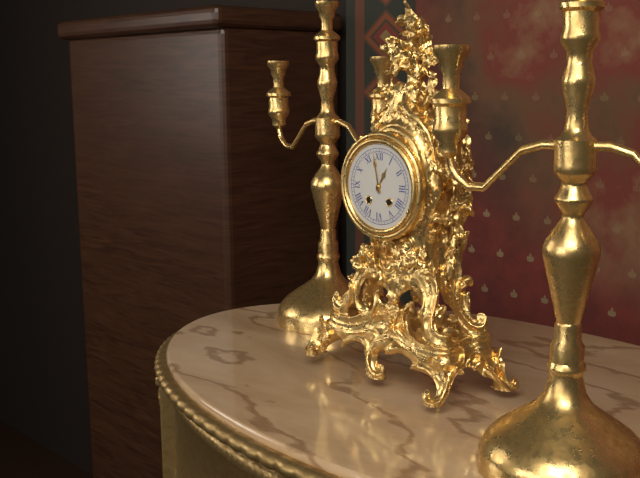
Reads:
{"hour": 12, "minute": 58}
